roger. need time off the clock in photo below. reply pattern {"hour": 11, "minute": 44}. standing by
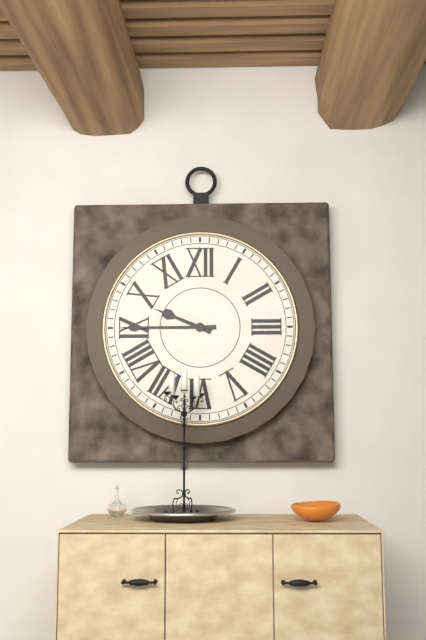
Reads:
{"hour": 9, "minute": 45}
